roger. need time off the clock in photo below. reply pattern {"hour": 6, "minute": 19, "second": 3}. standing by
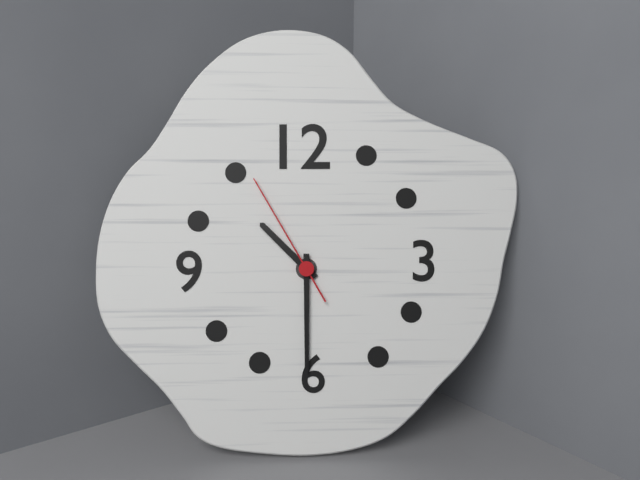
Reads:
{"hour": 10, "minute": 30, "second": 55}
